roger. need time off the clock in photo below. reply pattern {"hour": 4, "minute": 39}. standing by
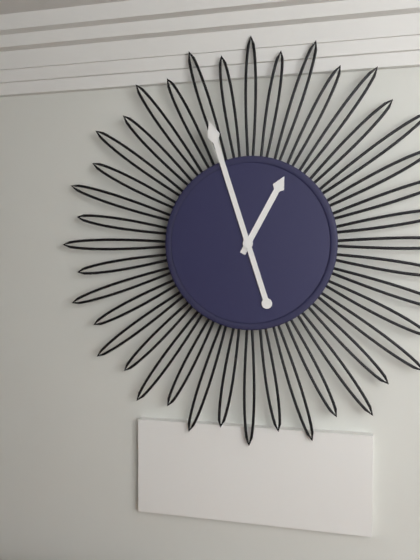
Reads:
{"hour": 12, "minute": 57}
